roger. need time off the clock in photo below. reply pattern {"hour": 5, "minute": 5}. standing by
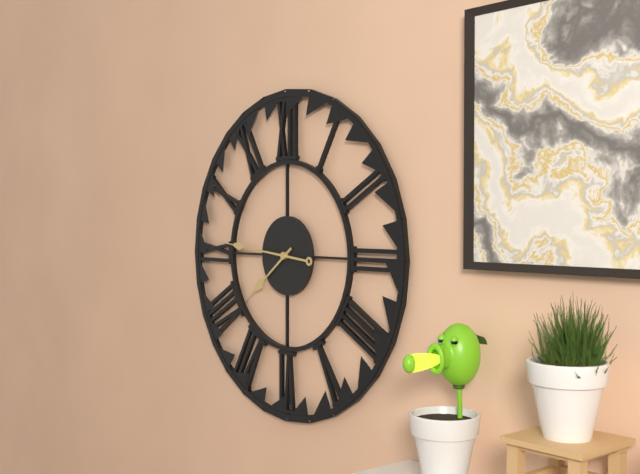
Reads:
{"hour": 7, "minute": 46}
